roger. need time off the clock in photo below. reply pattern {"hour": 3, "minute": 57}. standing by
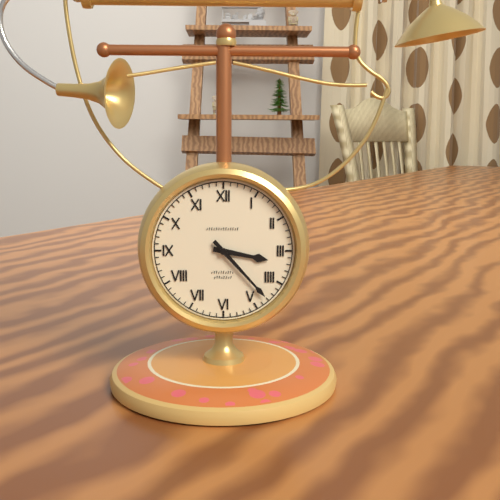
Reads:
{"hour": 3, "minute": 23}
